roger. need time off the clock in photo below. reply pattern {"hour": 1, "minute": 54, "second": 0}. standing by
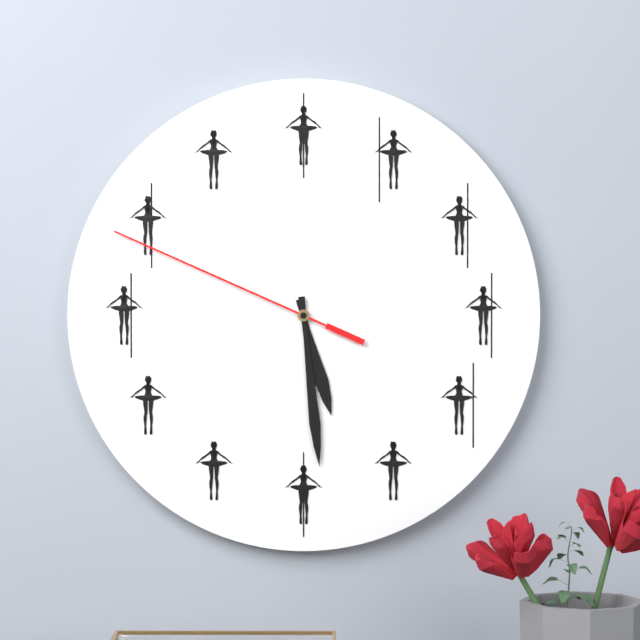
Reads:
{"hour": 5, "minute": 29, "second": 49}
